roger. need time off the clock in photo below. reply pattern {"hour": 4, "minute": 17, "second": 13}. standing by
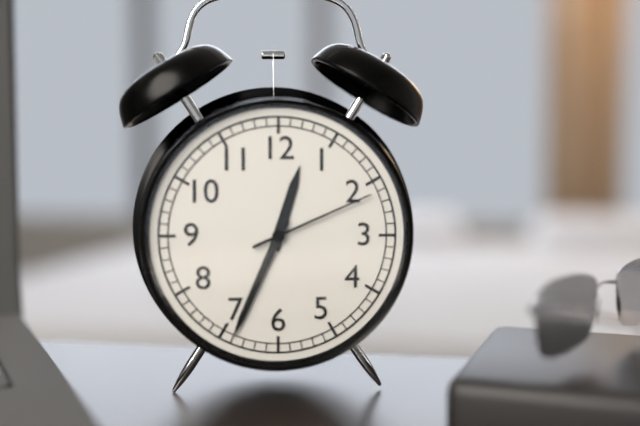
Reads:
{"hour": 12, "minute": 34, "second": 11}
